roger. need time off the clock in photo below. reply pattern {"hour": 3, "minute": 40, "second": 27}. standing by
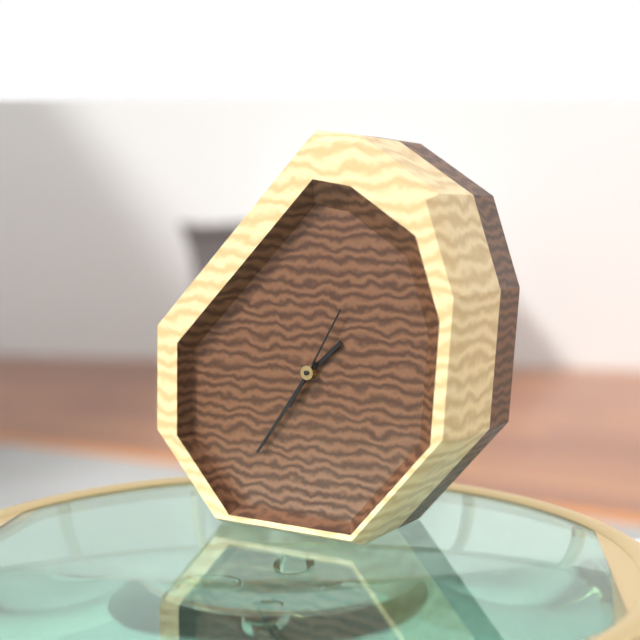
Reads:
{"hour": 1, "minute": 36, "second": 5}
